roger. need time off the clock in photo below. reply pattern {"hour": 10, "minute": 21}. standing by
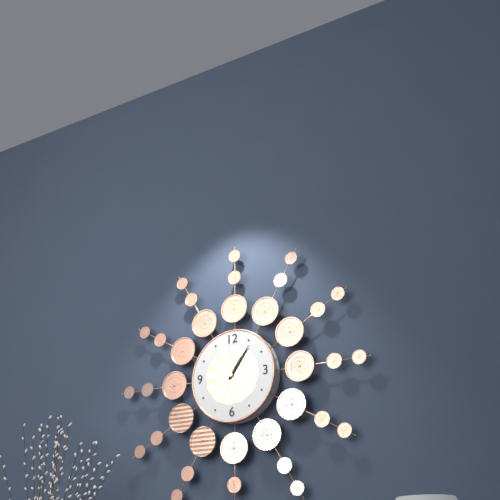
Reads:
{"hour": 1, "minute": 6}
